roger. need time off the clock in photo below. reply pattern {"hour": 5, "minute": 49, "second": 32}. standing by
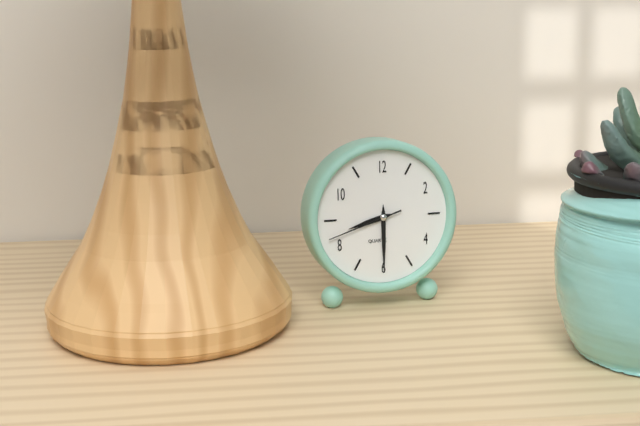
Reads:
{"hour": 8, "minute": 30, "second": 42}
